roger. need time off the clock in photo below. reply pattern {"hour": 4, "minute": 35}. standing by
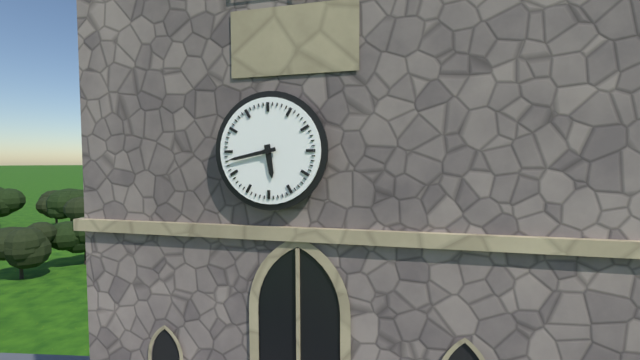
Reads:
{"hour": 5, "minute": 43}
